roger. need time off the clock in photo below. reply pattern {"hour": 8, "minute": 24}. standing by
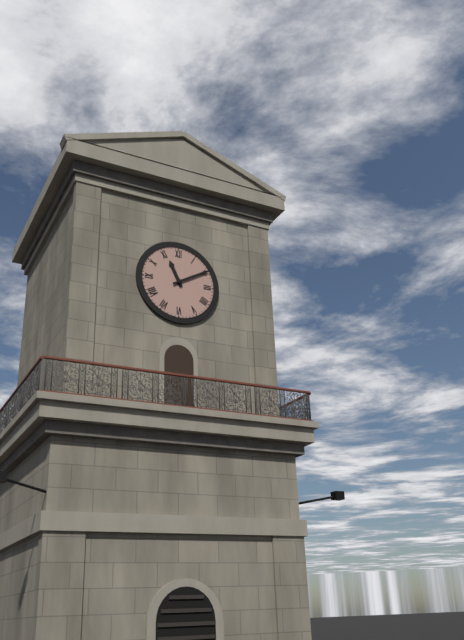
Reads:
{"hour": 11, "minute": 10}
